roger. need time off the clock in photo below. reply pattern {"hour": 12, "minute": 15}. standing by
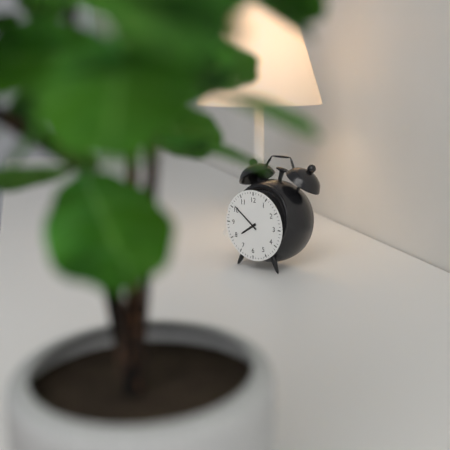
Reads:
{"hour": 7, "minute": 51}
